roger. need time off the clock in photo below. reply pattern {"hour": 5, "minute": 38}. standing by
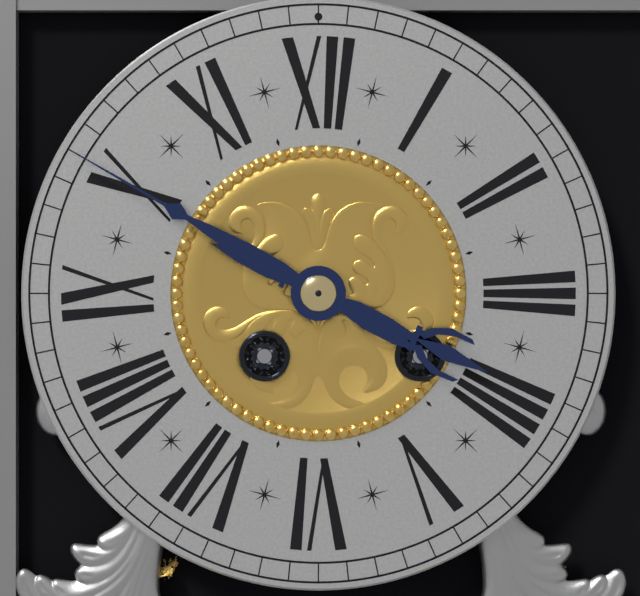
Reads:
{"hour": 3, "minute": 50}
